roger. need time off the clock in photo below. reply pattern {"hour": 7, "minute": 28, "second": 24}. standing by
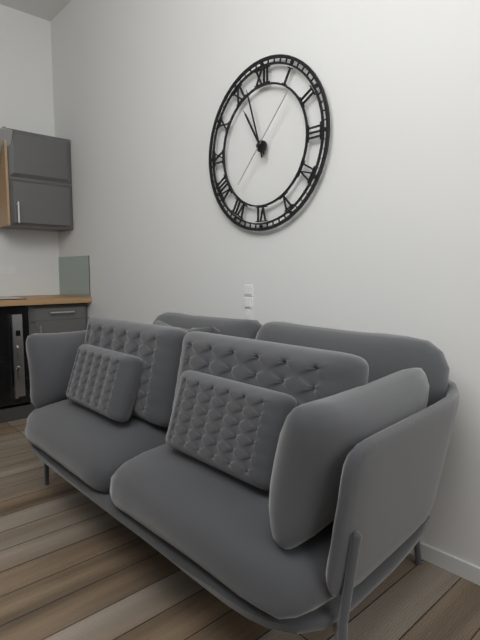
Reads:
{"hour": 10, "minute": 57, "second": 7}
